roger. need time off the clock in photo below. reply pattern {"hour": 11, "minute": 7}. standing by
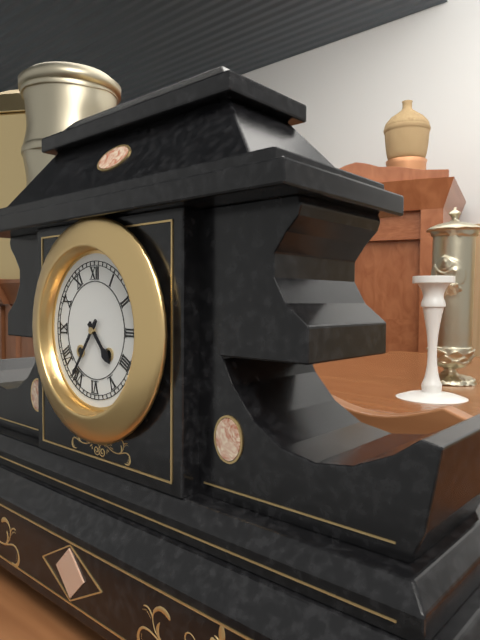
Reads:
{"hour": 4, "minute": 36}
